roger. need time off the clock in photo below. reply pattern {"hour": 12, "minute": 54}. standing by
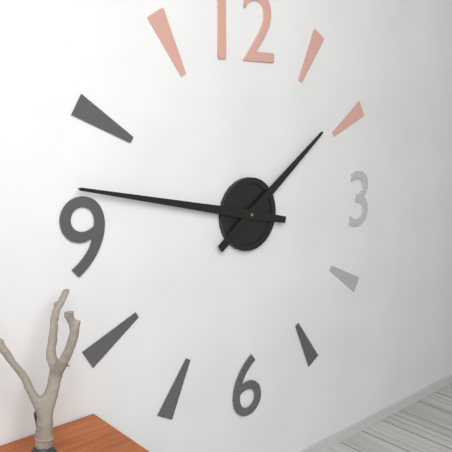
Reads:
{"hour": 1, "minute": 47}
